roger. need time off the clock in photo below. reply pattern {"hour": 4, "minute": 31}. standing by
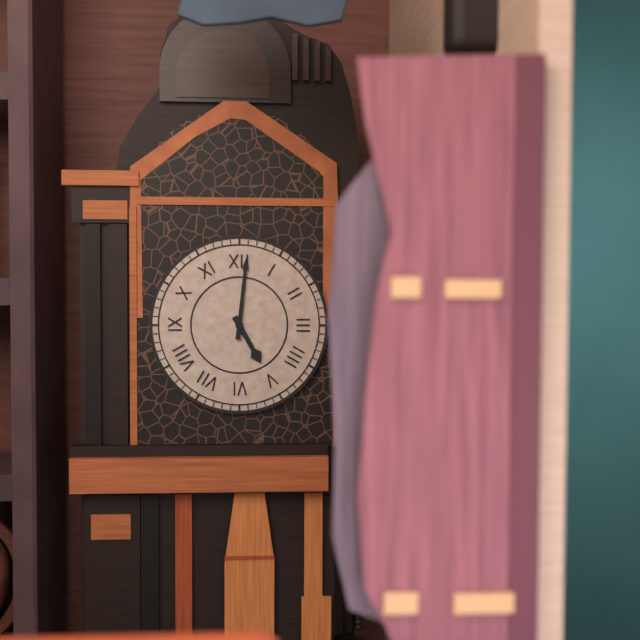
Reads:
{"hour": 5, "minute": 1}
